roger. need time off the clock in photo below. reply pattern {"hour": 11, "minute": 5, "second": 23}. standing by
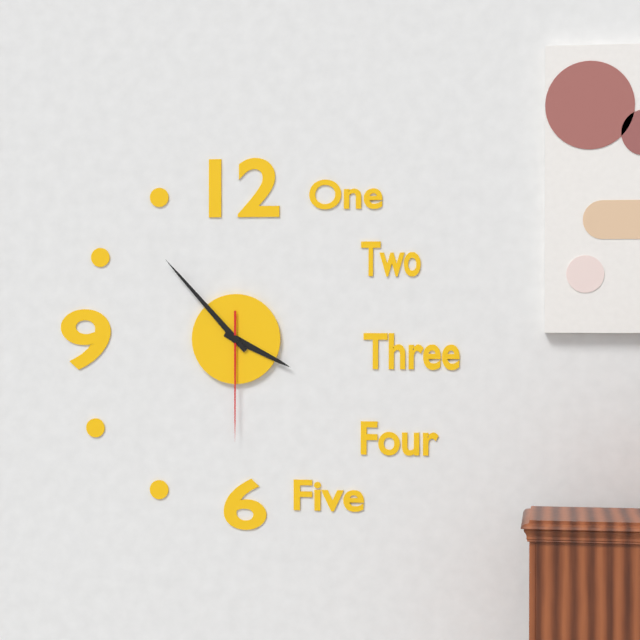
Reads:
{"hour": 3, "minute": 53, "second": 30}
